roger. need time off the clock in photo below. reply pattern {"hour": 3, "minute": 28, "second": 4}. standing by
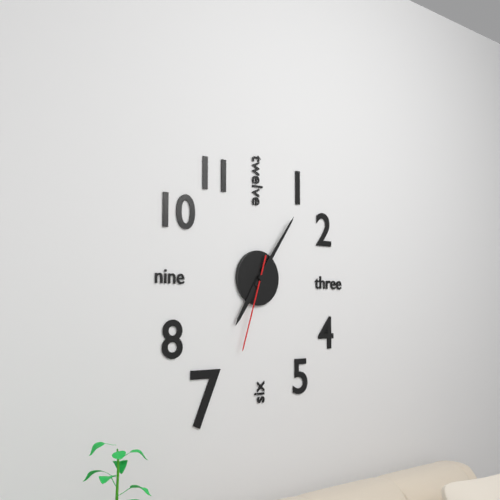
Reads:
{"hour": 7, "minute": 6, "second": 33}
